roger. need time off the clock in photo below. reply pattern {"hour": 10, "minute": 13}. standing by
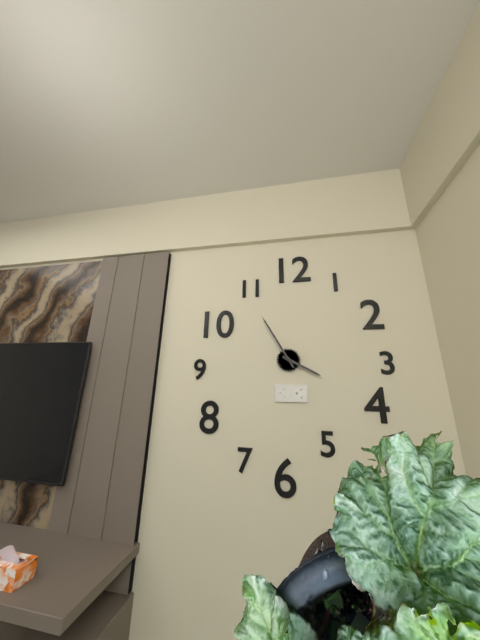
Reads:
{"hour": 3, "minute": 55}
